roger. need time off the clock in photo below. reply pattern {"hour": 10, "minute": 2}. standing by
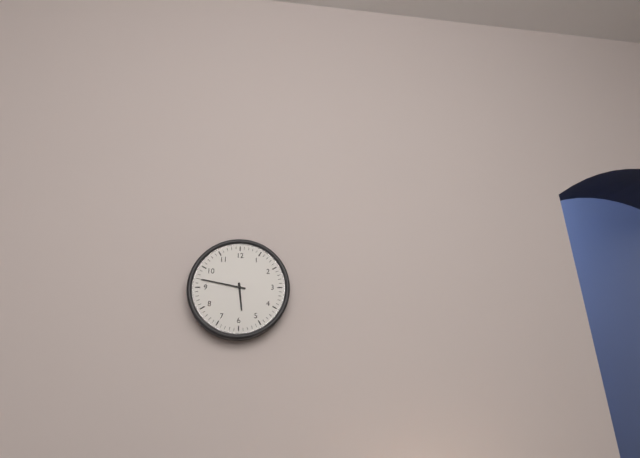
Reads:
{"hour": 5, "minute": 47}
